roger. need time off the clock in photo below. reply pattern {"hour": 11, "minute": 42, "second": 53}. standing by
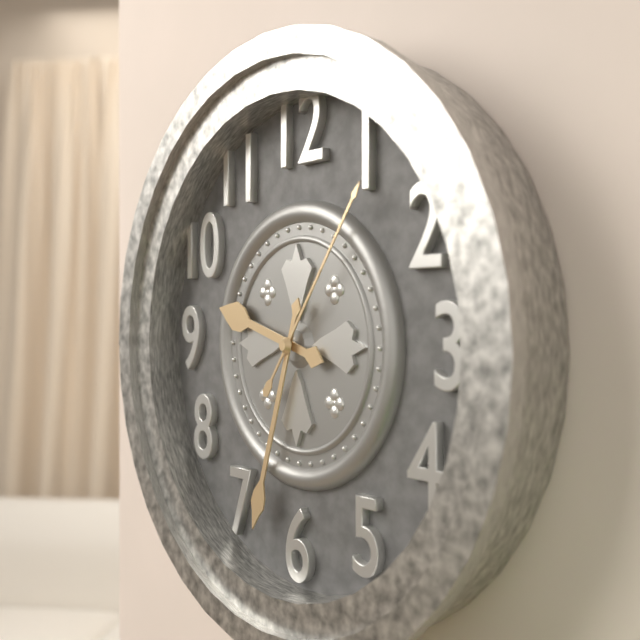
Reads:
{"hour": 9, "minute": 33, "second": 6}
